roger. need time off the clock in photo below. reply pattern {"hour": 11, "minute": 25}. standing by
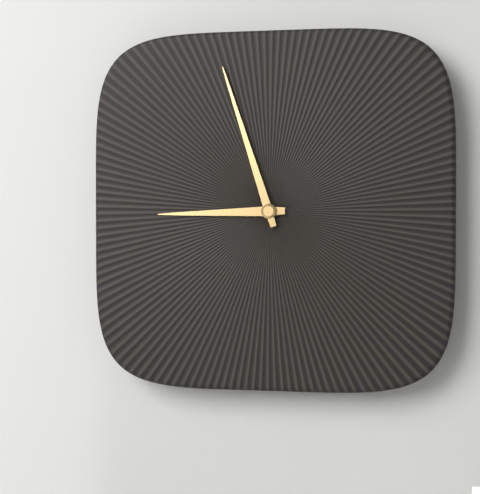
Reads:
{"hour": 8, "minute": 57}
